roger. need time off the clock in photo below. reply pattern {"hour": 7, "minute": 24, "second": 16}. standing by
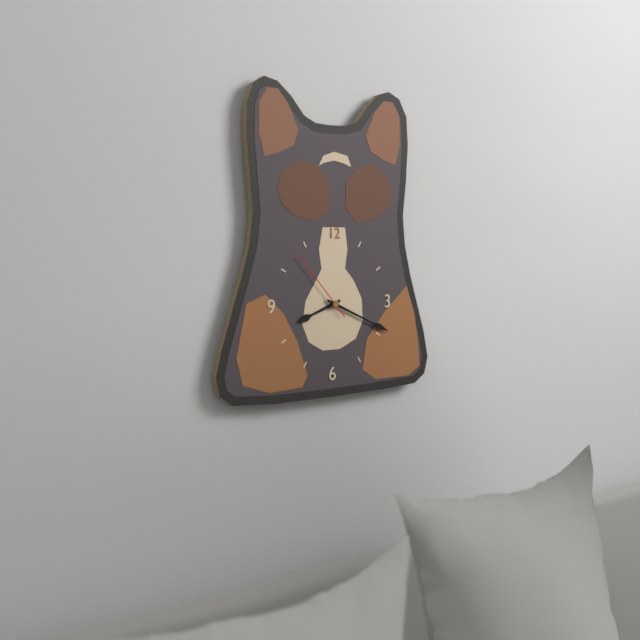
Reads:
{"hour": 8, "minute": 19, "second": 53}
